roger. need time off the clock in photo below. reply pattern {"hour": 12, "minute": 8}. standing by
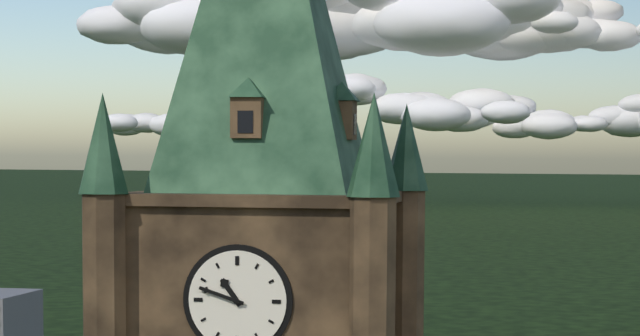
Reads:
{"hour": 10, "minute": 48}
